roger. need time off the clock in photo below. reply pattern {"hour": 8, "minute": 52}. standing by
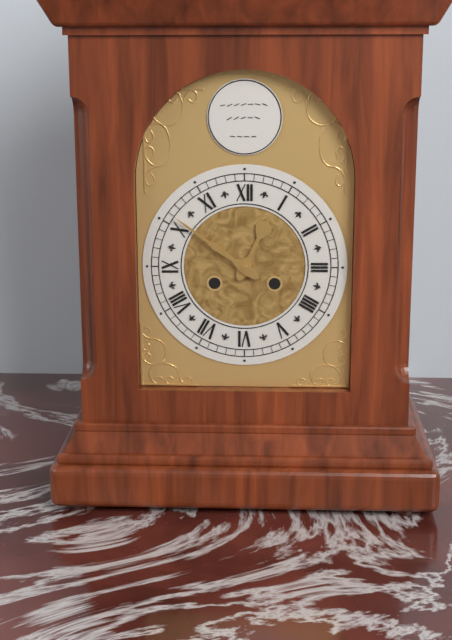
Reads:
{"hour": 12, "minute": 51}
